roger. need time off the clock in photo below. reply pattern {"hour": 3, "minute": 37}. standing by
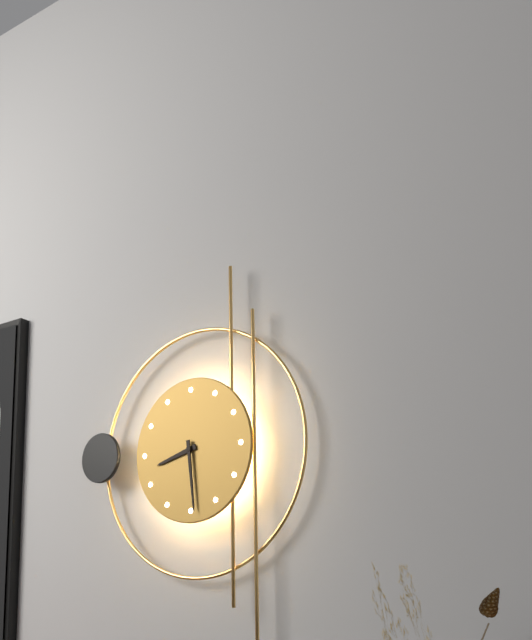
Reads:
{"hour": 8, "minute": 29}
